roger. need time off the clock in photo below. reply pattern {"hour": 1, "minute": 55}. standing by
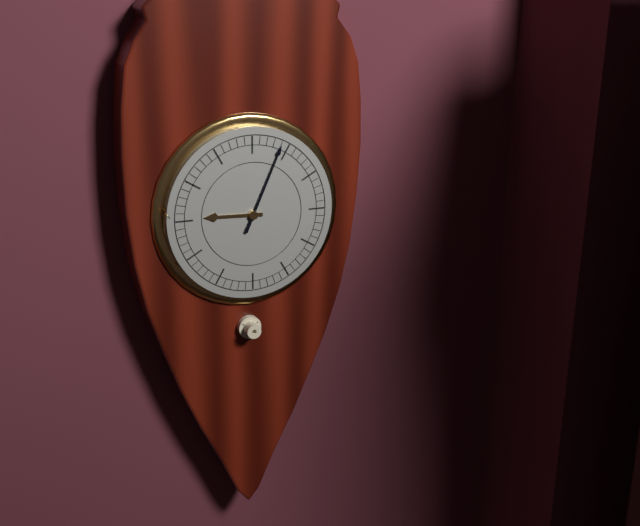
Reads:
{"hour": 9, "minute": 4}
